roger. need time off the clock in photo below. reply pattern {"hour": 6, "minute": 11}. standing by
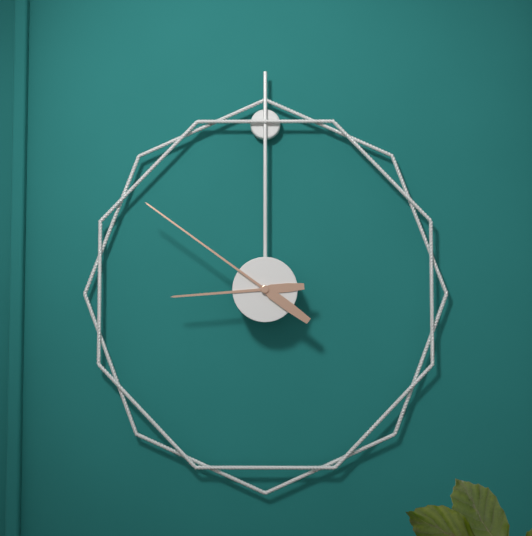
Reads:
{"hour": 8, "minute": 51}
